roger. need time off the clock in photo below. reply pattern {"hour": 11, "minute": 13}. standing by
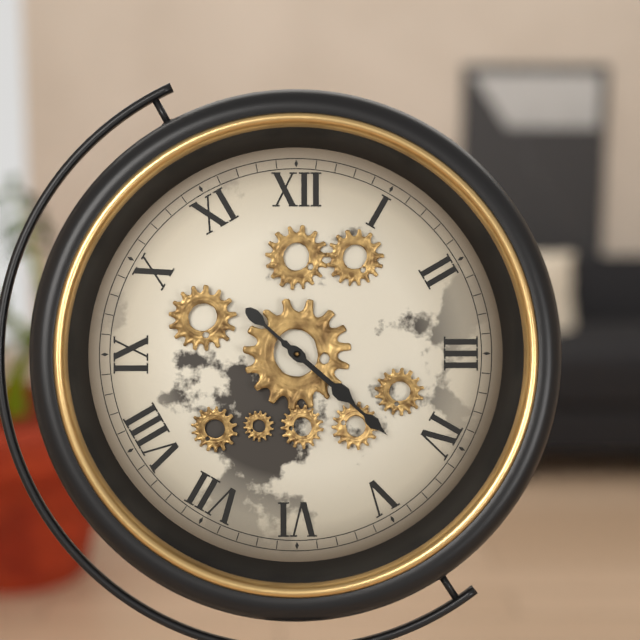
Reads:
{"hour": 4, "minute": 22}
